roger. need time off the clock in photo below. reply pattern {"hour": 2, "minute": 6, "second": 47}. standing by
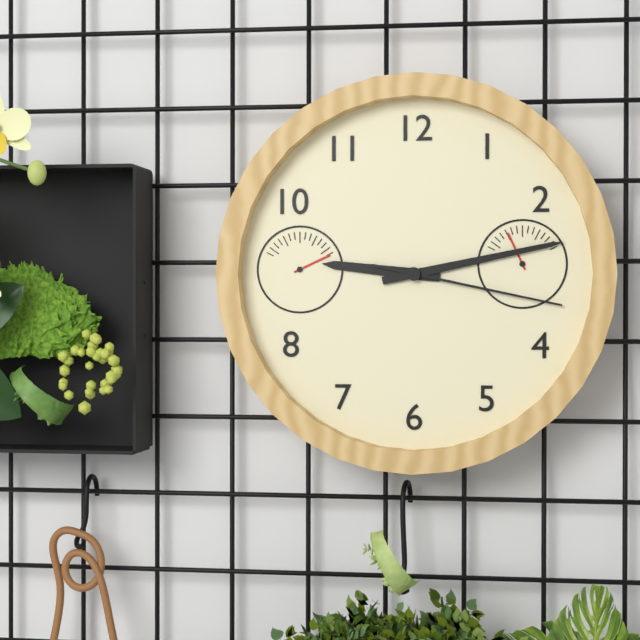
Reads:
{"hour": 9, "minute": 13, "second": 17}
